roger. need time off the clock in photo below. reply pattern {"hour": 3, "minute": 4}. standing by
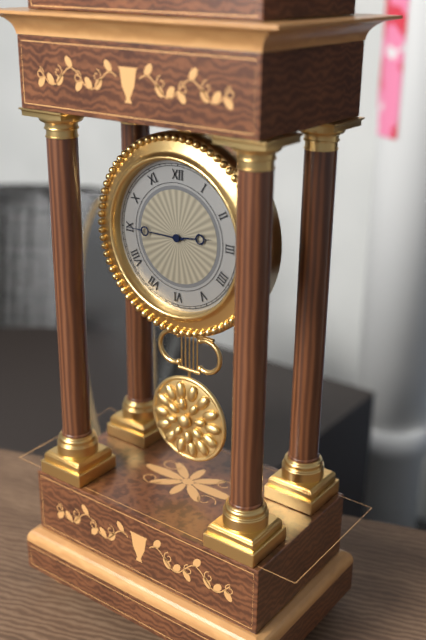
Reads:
{"hour": 2, "minute": 45}
